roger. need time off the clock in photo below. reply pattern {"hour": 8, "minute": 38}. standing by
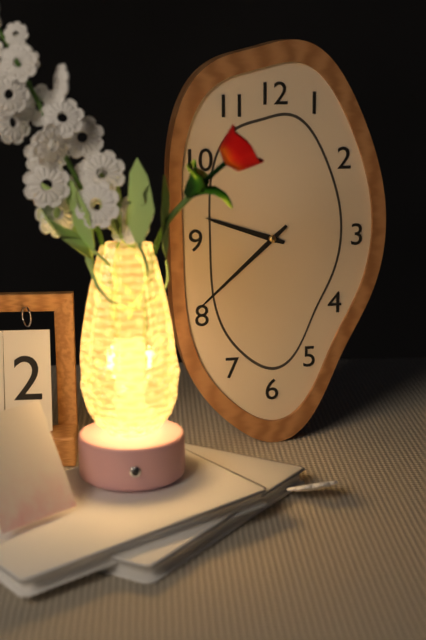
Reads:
{"hour": 9, "minute": 38}
